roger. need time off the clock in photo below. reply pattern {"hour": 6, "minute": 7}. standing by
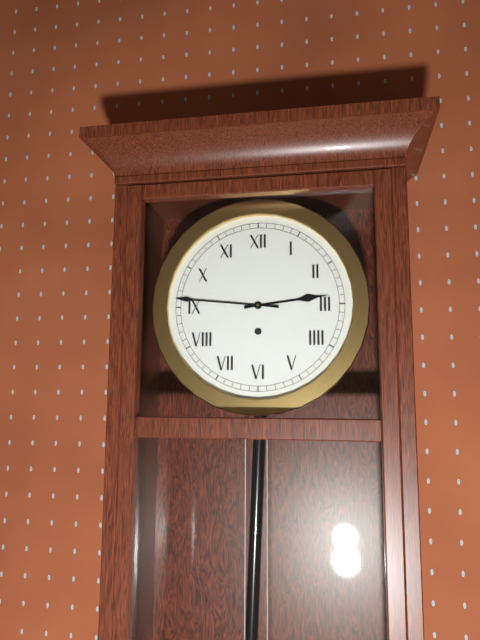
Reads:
{"hour": 2, "minute": 46}
